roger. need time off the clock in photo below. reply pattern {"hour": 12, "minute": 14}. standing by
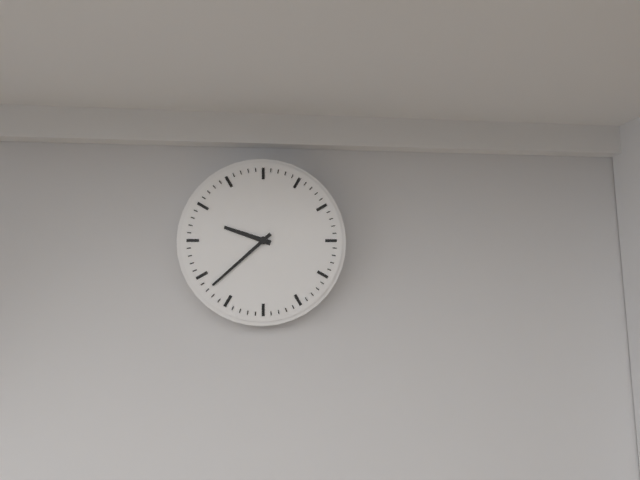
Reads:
{"hour": 9, "minute": 38}
